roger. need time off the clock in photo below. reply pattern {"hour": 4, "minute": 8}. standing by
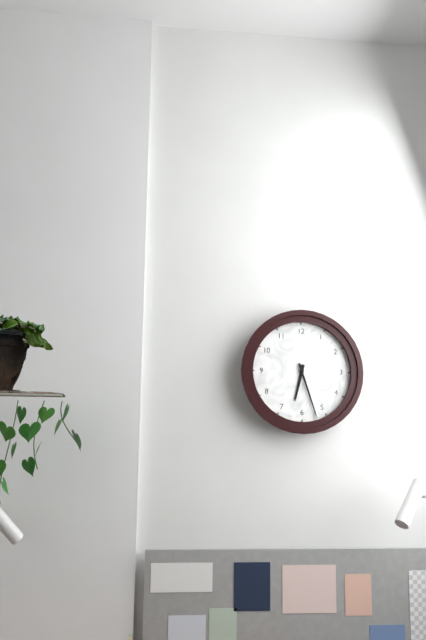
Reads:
{"hour": 6, "minute": 27}
